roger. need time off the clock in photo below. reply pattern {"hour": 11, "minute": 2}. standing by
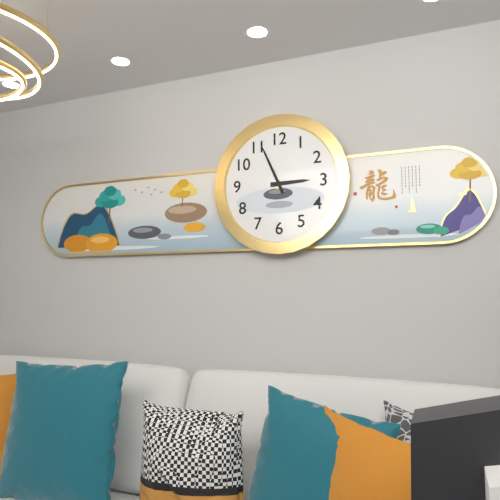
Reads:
{"hour": 2, "minute": 56}
